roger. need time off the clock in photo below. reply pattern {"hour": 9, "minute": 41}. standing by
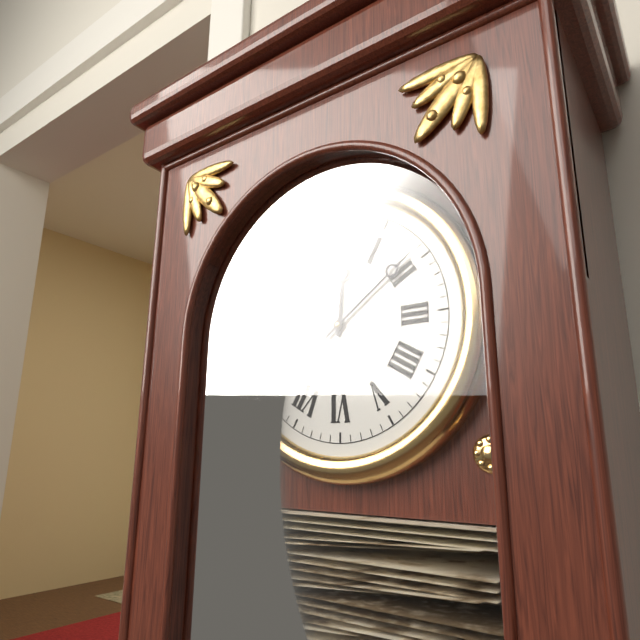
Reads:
{"hour": 12, "minute": 9}
